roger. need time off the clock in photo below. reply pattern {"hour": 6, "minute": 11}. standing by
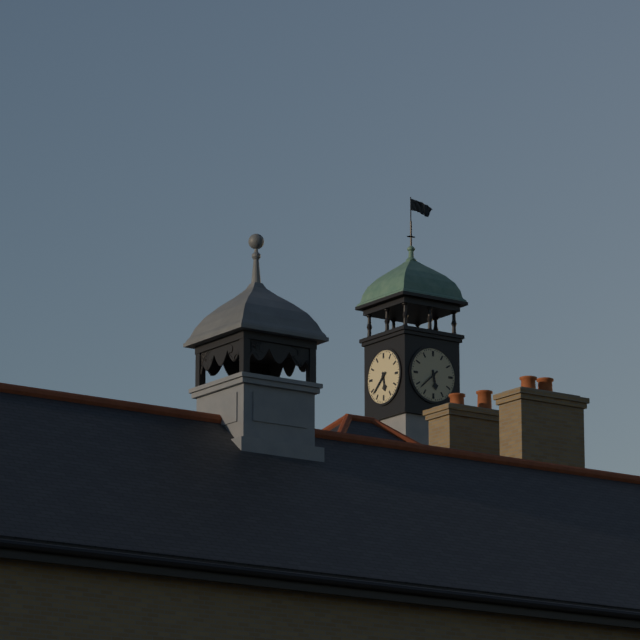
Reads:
{"hour": 5, "minute": 38}
